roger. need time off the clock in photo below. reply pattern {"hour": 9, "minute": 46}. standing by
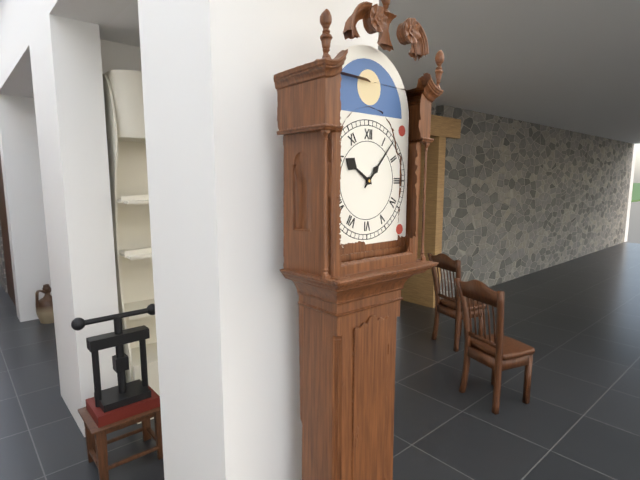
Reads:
{"hour": 10, "minute": 7}
